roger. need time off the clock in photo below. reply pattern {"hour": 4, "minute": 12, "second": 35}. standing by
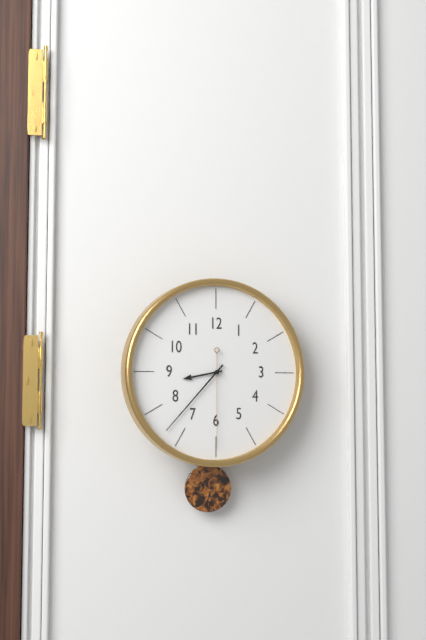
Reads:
{"hour": 8, "minute": 37, "second": 30}
